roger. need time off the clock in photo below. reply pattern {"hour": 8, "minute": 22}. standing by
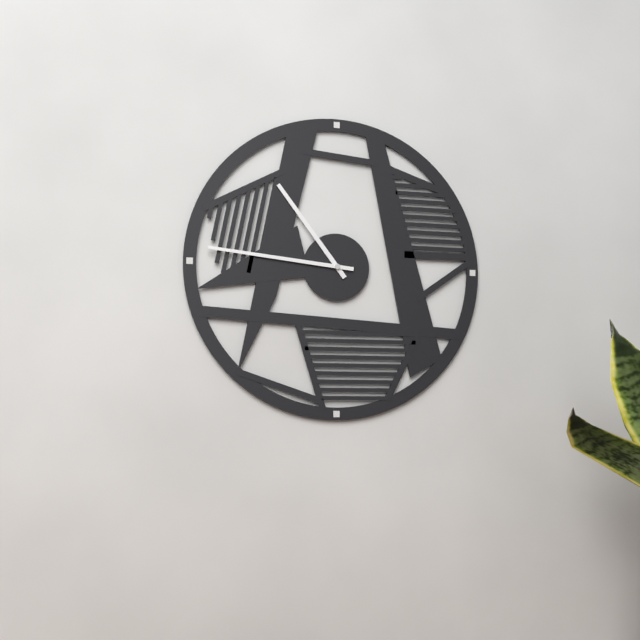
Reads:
{"hour": 10, "minute": 46}
